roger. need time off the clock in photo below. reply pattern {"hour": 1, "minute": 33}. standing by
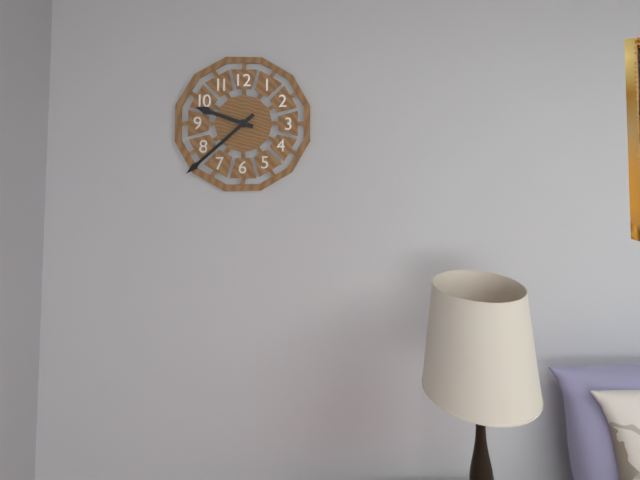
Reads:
{"hour": 9, "minute": 38}
